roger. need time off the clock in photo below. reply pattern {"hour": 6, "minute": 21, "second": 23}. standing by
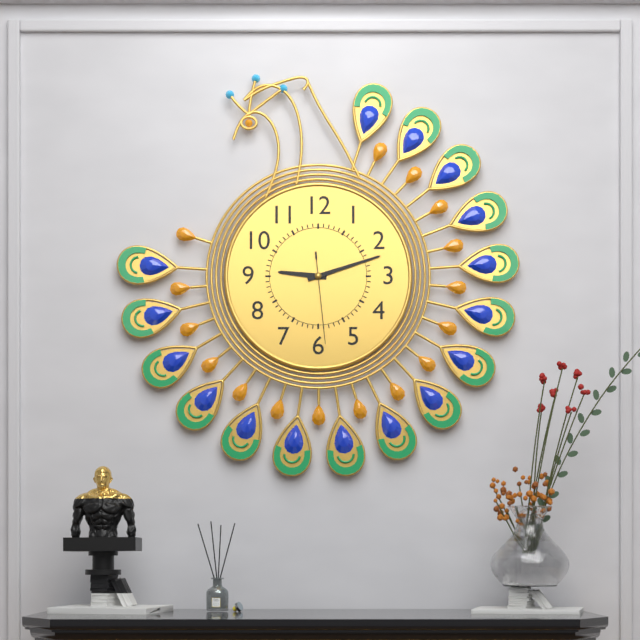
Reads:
{"hour": 9, "minute": 12, "second": 29}
